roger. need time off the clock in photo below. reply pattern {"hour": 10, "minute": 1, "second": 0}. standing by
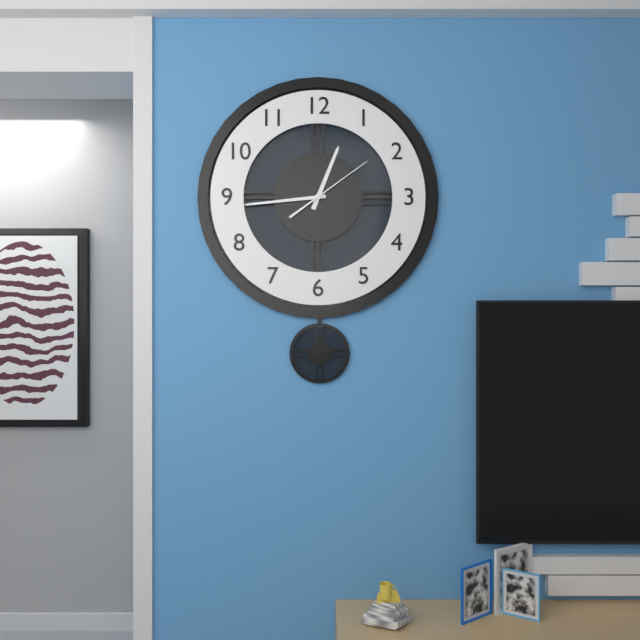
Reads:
{"hour": 12, "minute": 44, "second": 9}
